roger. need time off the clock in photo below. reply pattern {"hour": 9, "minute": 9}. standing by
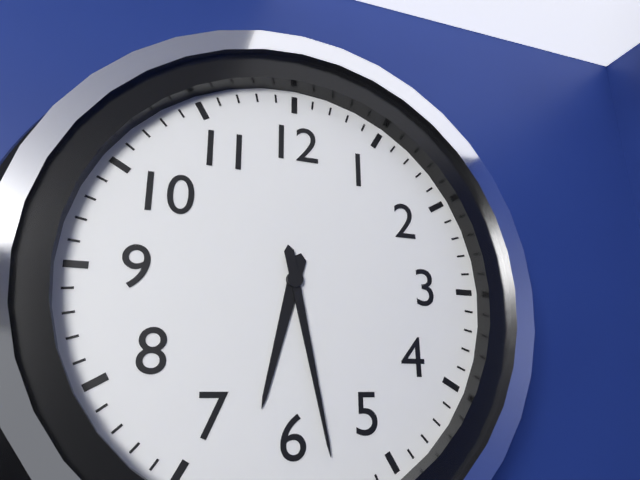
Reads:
{"hour": 6, "minute": 28}
